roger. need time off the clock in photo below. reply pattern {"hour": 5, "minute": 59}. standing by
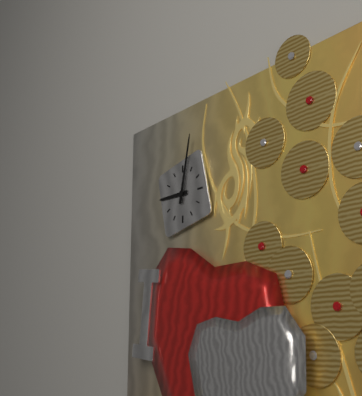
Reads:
{"hour": 9, "minute": 2}
